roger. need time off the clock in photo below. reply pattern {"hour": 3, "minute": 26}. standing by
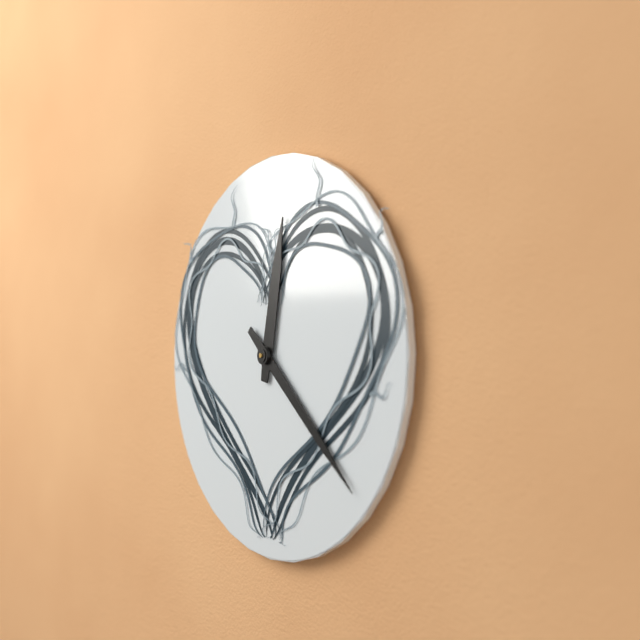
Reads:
{"hour": 12, "minute": 22}
